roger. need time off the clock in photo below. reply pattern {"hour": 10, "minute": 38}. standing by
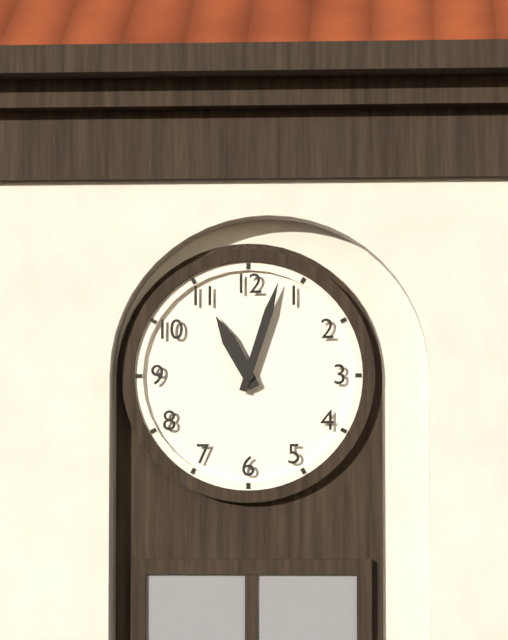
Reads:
{"hour": 11, "minute": 3}
